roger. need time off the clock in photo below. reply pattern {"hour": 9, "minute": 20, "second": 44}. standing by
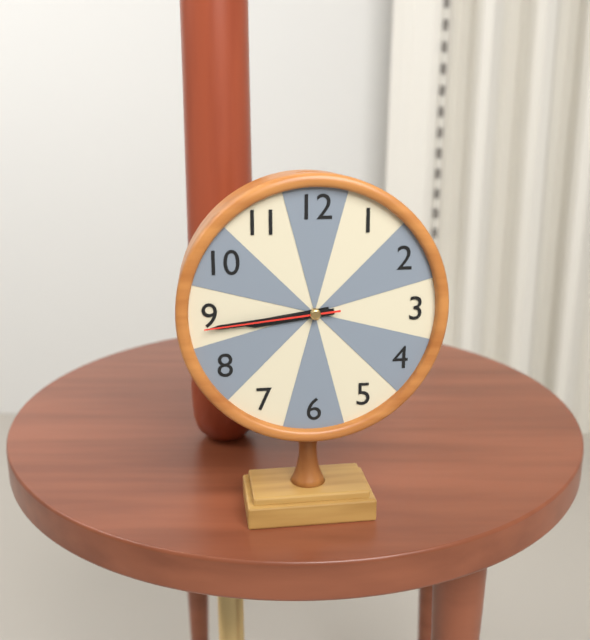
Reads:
{"hour": 8, "minute": 44, "second": 44}
